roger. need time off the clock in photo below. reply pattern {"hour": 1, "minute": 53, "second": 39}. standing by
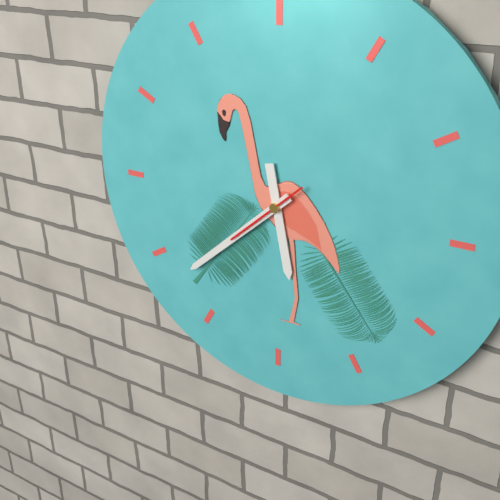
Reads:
{"hour": 5, "minute": 38, "second": 38}
